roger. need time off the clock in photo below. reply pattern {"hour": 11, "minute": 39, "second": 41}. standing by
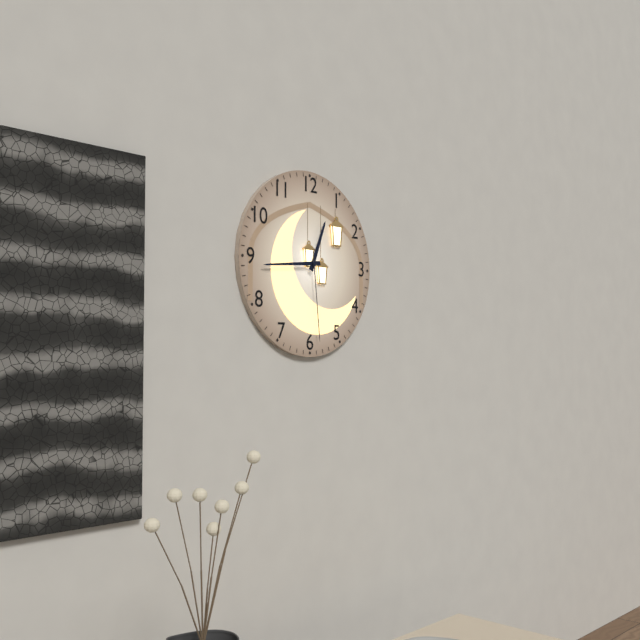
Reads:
{"hour": 12, "minute": 44, "second": 29}
